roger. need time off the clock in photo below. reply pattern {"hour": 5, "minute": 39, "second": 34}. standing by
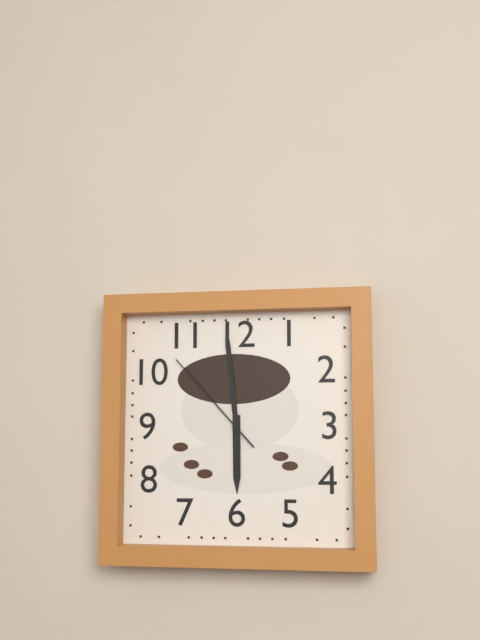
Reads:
{"hour": 5, "minute": 59, "second": 53}
